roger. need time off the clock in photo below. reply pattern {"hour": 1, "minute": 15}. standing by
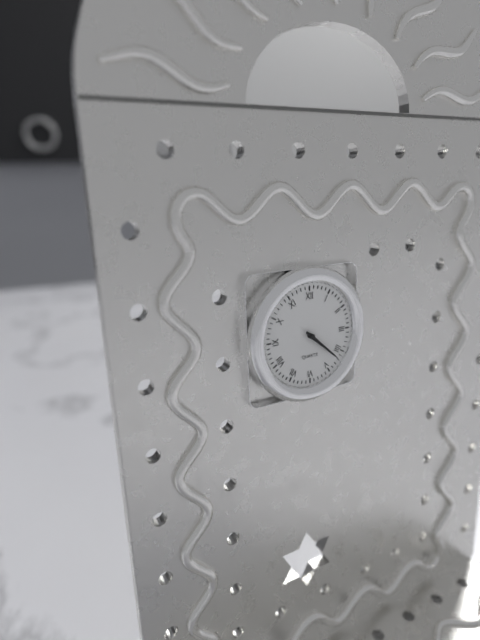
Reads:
{"hour": 4, "minute": 22}
